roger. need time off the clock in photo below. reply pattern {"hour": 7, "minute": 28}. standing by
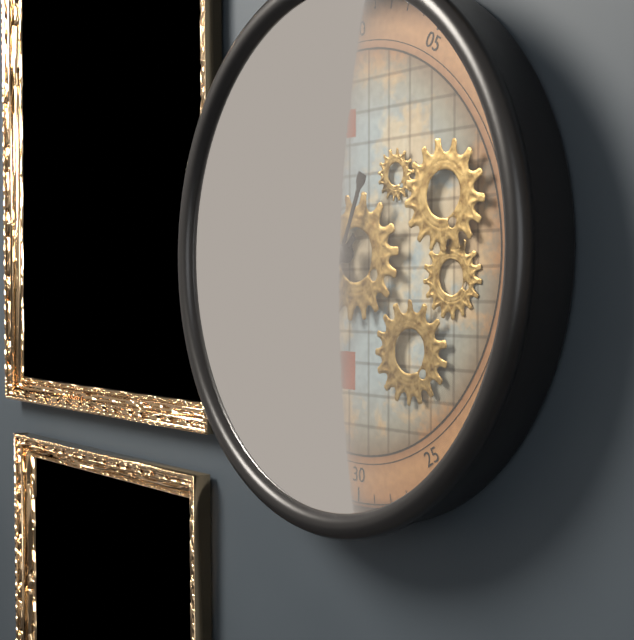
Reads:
{"hour": 7, "minute": 34}
